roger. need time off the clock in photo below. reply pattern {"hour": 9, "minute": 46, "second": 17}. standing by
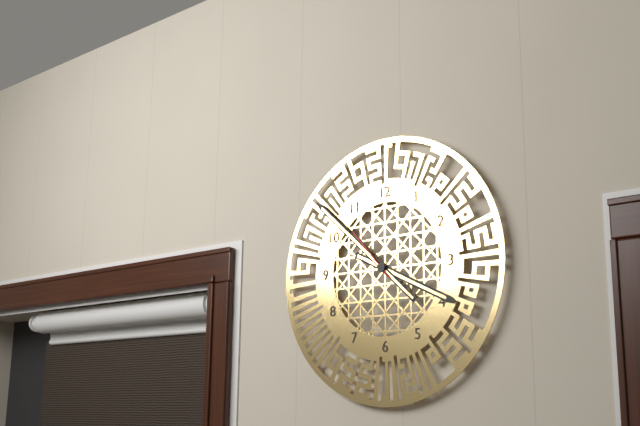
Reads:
{"hour": 3, "minute": 52, "second": 53}
